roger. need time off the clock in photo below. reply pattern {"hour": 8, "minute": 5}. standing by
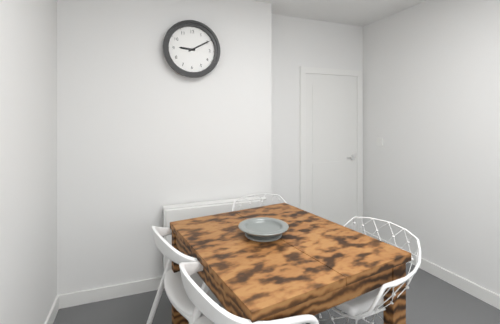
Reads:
{"hour": 9, "minute": 10}
